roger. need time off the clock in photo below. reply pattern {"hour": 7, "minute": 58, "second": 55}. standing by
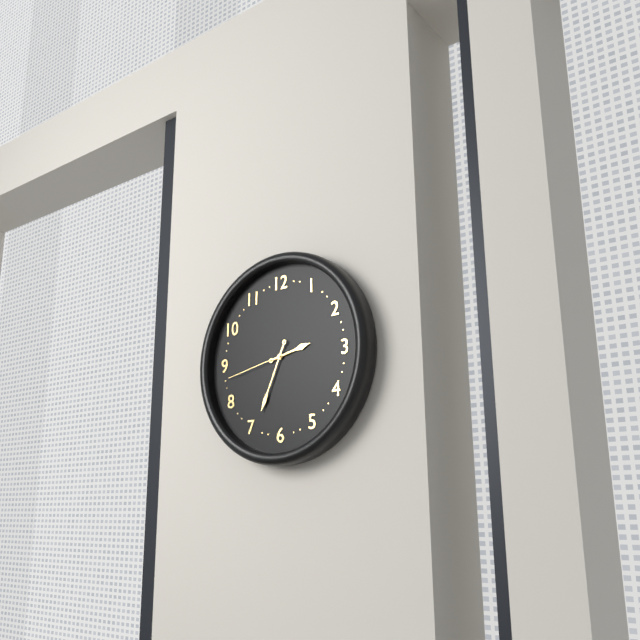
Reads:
{"hour": 2, "minute": 34, "second": 43}
